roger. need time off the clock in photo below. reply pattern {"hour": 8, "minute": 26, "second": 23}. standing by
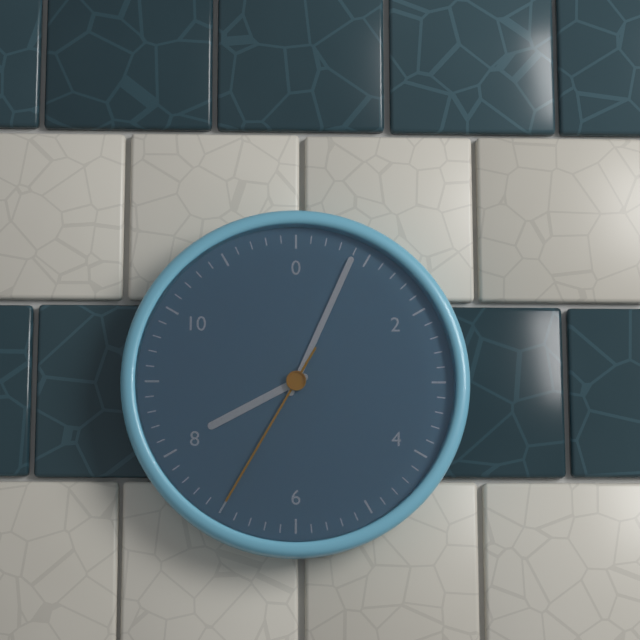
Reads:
{"hour": 8, "minute": 4, "second": 35}
